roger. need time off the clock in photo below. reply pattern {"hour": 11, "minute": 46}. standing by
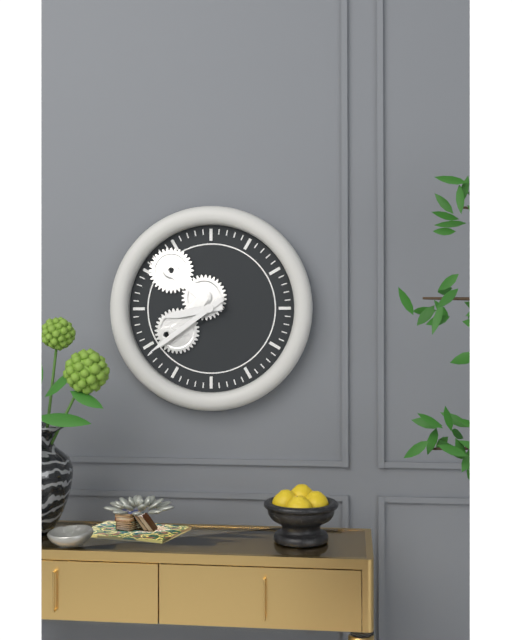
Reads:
{"hour": 8, "minute": 39}
